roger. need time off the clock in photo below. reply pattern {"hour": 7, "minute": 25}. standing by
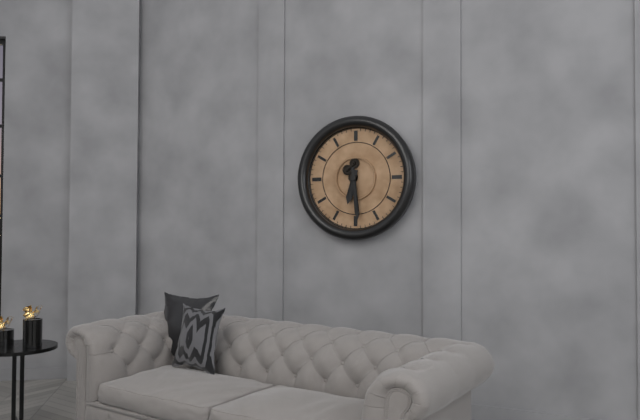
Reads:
{"hour": 6, "minute": 29}
